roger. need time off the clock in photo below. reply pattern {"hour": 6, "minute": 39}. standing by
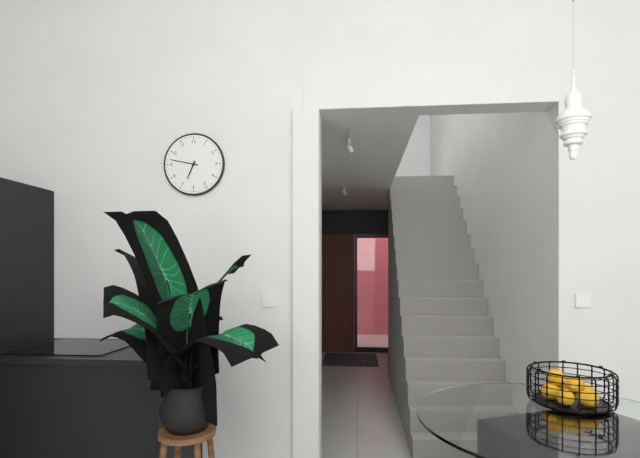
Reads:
{"hour": 6, "minute": 47}
